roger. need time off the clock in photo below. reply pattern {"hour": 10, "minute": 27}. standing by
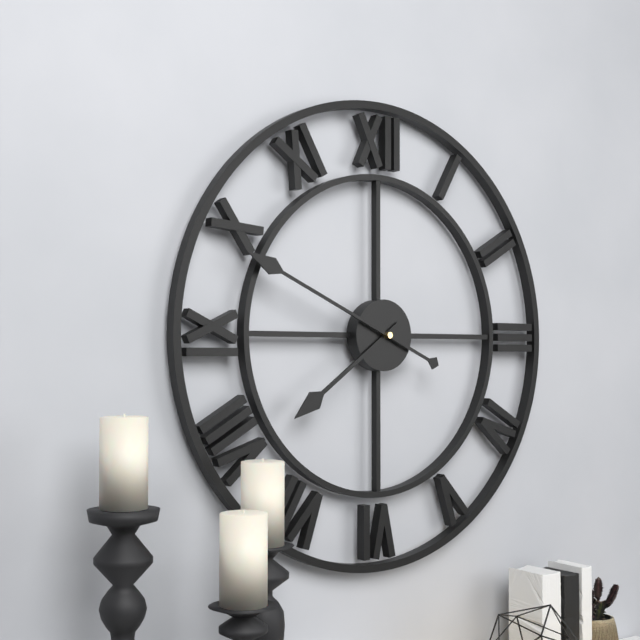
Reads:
{"hour": 7, "minute": 49}
